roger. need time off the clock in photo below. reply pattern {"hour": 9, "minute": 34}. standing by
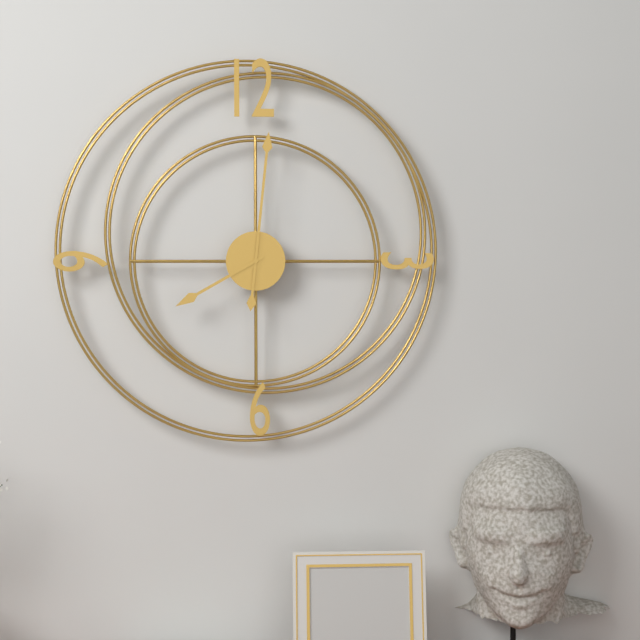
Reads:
{"hour": 8, "minute": 1}
